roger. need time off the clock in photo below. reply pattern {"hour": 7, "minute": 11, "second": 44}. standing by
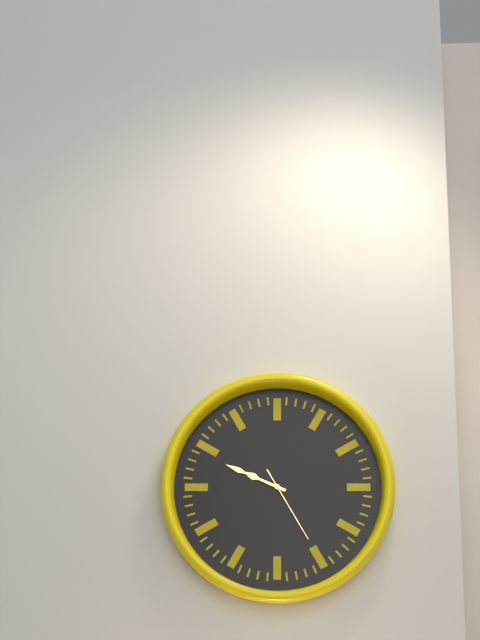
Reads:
{"hour": 9, "minute": 49, "second": 25}
